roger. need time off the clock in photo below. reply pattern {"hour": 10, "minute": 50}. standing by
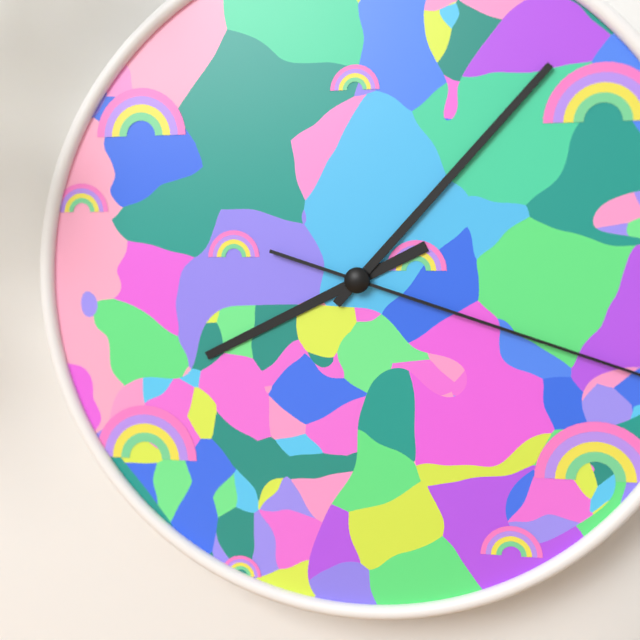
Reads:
{"hour": 8, "minute": 7}
